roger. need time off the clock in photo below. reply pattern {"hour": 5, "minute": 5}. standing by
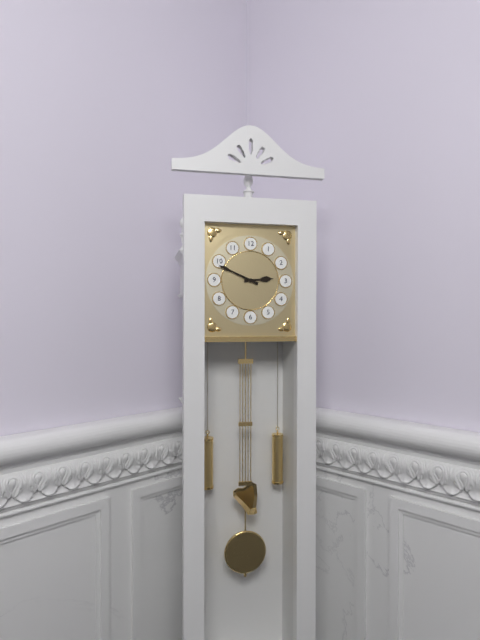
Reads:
{"hour": 2, "minute": 49}
